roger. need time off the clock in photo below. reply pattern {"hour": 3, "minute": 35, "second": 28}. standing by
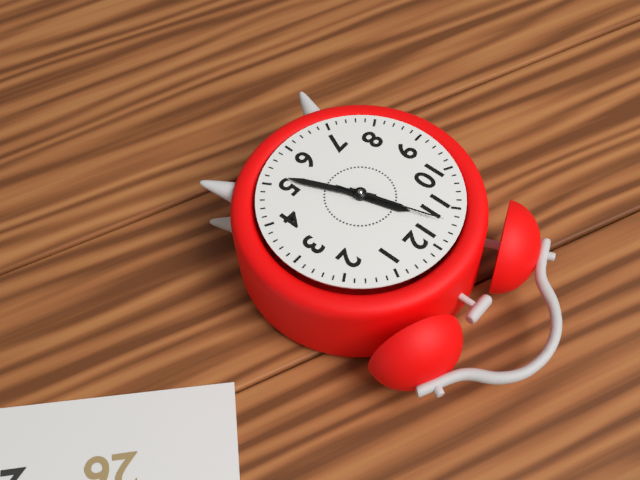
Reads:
{"hour": 11, "minute": 26, "second": 57}
